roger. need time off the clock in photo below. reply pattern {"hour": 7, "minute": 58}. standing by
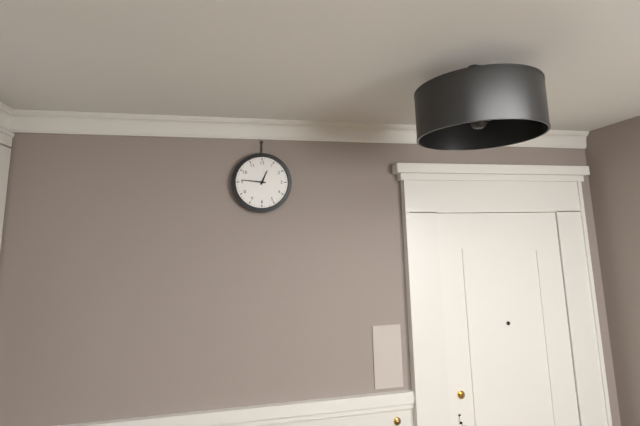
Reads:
{"hour": 12, "minute": 46}
